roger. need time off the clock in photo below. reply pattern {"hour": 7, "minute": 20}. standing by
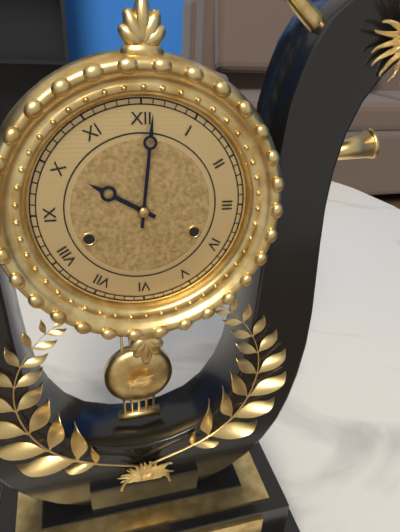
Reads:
{"hour": 10, "minute": 1}
